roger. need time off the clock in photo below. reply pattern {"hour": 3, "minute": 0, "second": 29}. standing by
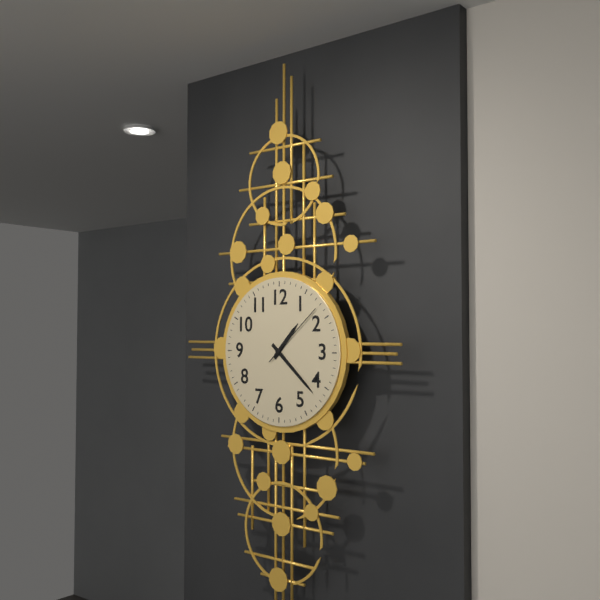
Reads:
{"hour": 1, "minute": 22, "second": 8}
